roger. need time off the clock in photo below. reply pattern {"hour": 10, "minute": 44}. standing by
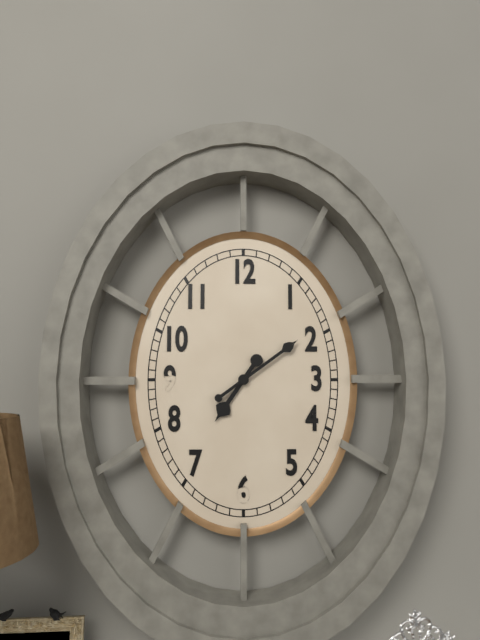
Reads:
{"hour": 7, "minute": 9}
